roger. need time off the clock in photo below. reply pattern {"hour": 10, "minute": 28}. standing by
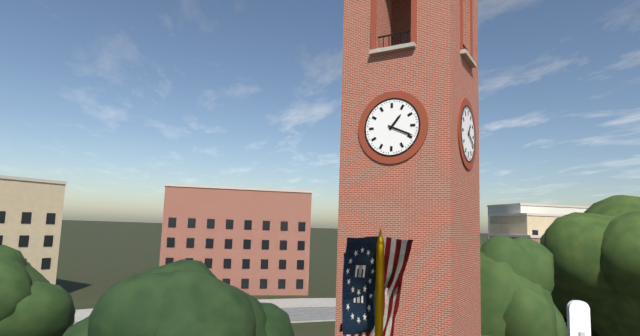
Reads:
{"hour": 1, "minute": 19}
